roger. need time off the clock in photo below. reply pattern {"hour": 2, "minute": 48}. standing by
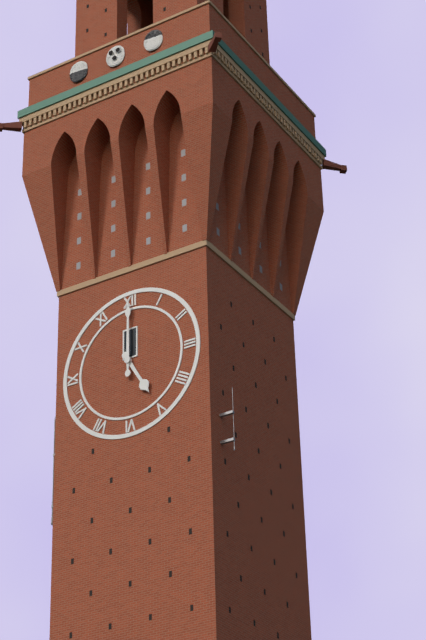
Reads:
{"hour": 5, "minute": 0}
